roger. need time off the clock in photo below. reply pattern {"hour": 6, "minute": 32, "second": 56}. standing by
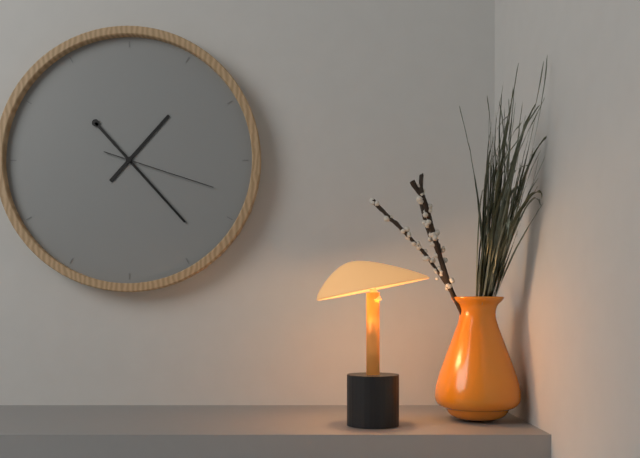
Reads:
{"hour": 1, "minute": 23, "second": 18}
